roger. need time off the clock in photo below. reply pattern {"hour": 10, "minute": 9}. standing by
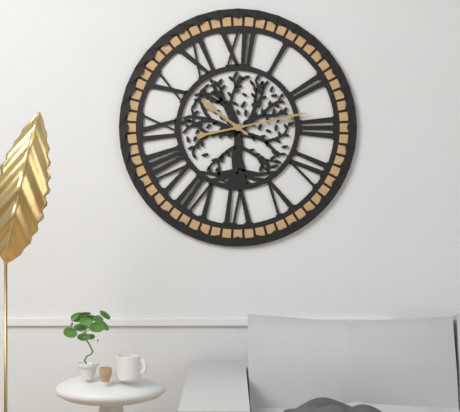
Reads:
{"hour": 10, "minute": 13}
